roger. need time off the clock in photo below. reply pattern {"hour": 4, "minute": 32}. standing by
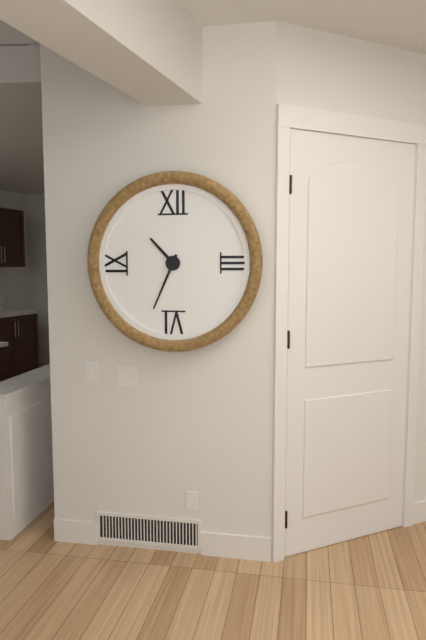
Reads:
{"hour": 10, "minute": 34}
